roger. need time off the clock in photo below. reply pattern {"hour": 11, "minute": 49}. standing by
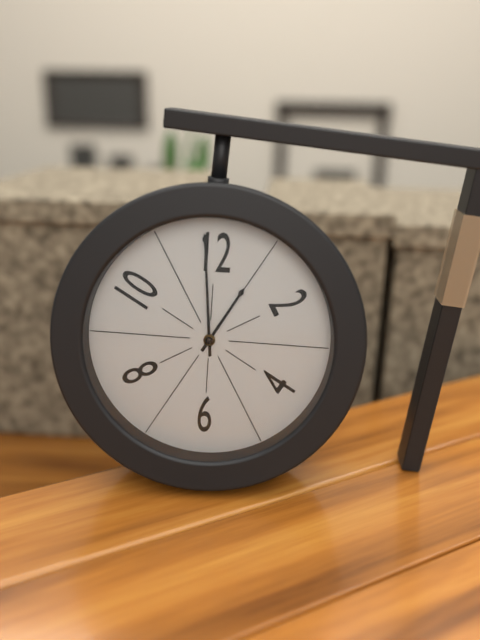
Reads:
{"hour": 12, "minute": 59}
